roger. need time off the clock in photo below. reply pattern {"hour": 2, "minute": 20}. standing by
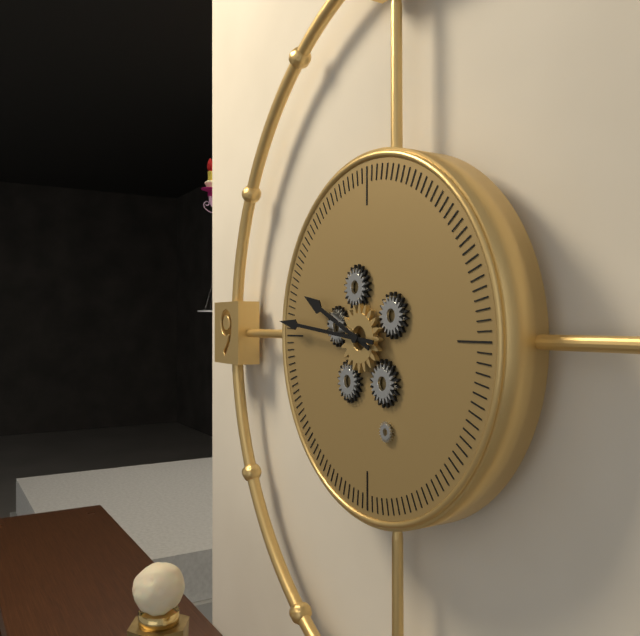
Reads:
{"hour": 9, "minute": 46}
